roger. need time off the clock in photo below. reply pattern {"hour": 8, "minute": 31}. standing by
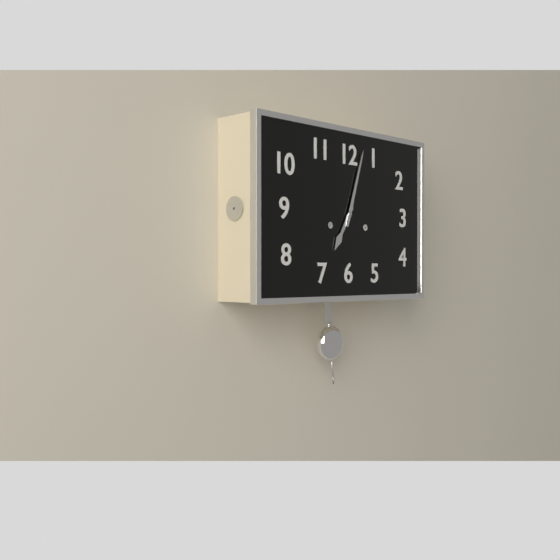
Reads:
{"hour": 7, "minute": 3}
